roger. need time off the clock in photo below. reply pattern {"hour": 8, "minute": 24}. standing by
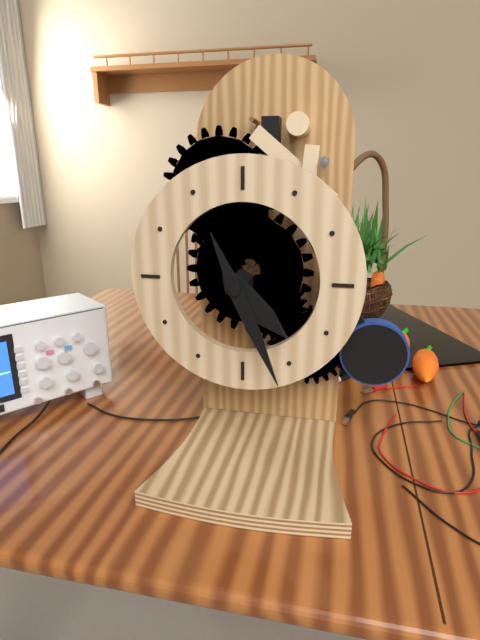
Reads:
{"hour": 4, "minute": 26}
